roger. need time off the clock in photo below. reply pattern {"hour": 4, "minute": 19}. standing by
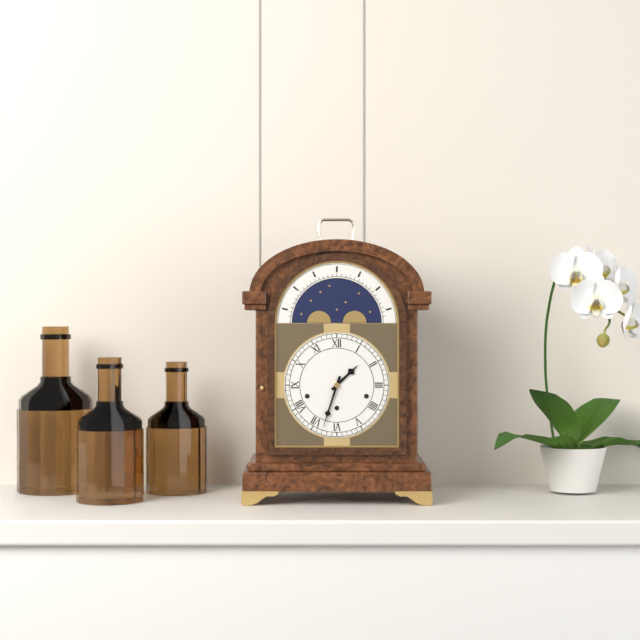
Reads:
{"hour": 1, "minute": 33}
